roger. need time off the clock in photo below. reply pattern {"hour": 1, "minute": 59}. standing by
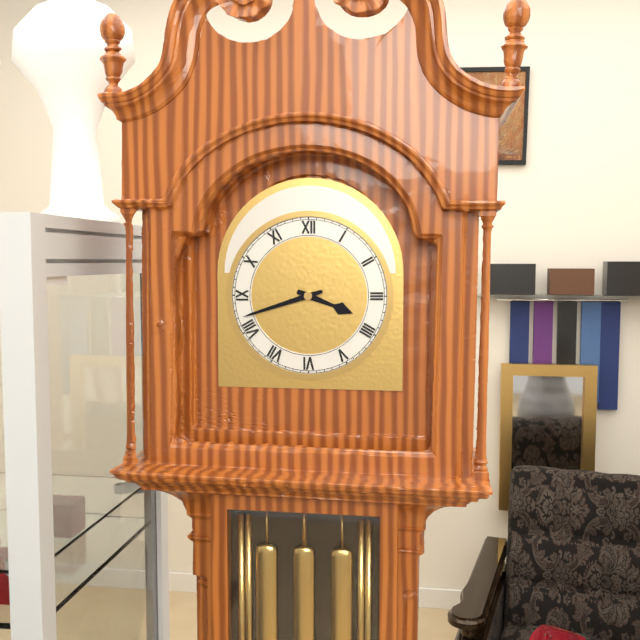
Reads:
{"hour": 3, "minute": 42}
